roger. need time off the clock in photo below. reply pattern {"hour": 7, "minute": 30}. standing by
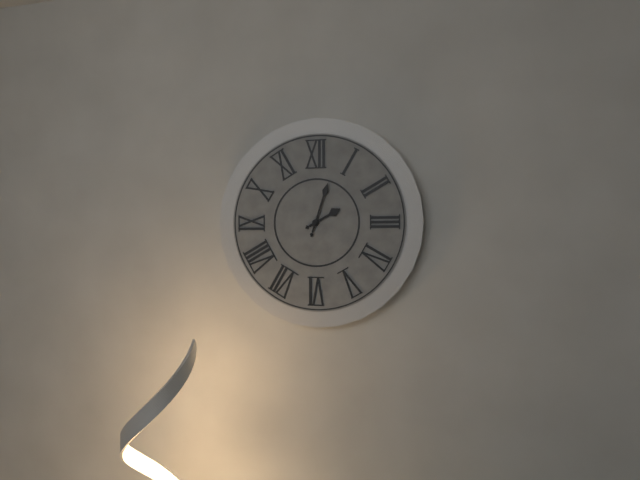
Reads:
{"hour": 2, "minute": 3}
